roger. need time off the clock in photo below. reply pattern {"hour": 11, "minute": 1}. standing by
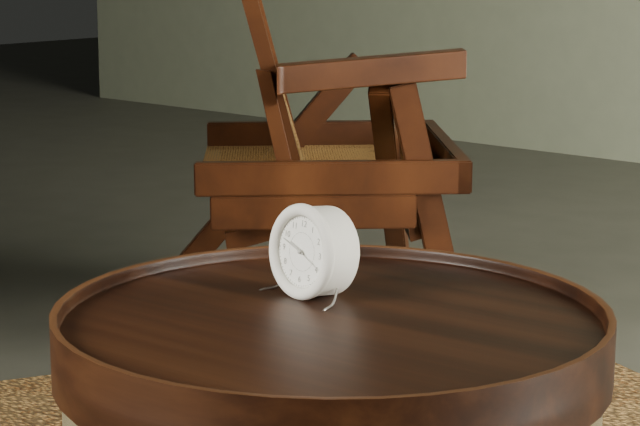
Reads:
{"hour": 9, "minute": 48}
